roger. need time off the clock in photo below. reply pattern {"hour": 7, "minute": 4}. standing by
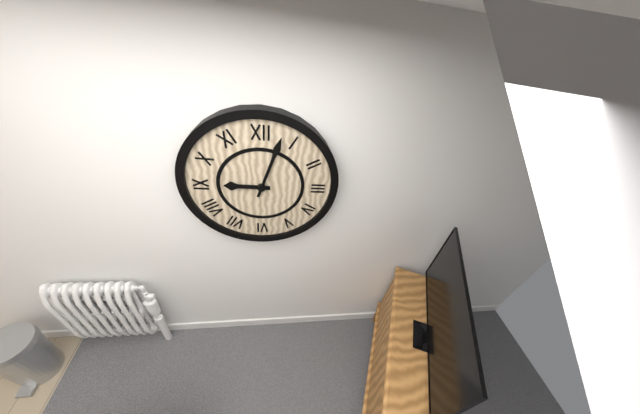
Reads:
{"hour": 9, "minute": 3}
